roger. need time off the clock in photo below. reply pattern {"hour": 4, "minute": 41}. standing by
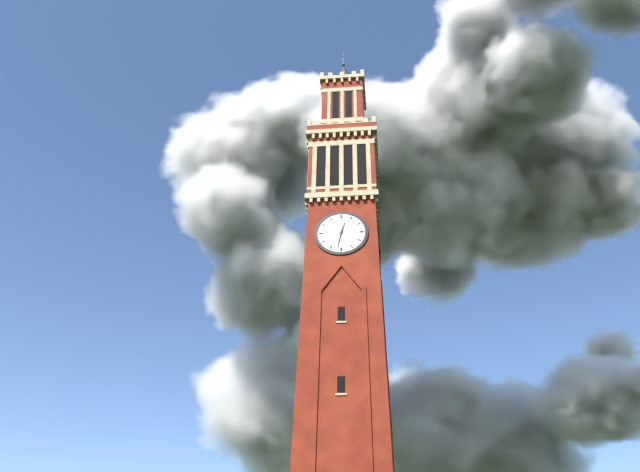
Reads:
{"hour": 12, "minute": 32}
